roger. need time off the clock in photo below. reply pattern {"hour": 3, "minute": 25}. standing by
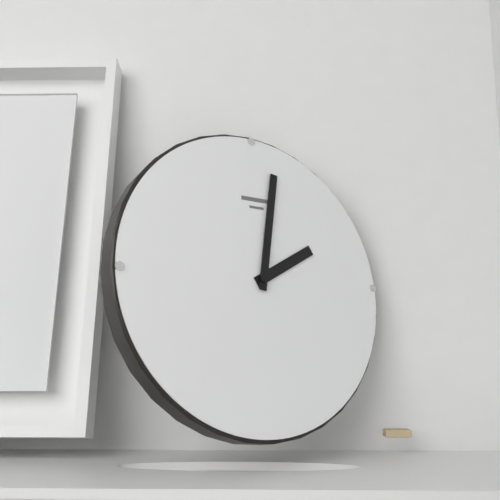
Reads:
{"hour": 2, "minute": 2}
